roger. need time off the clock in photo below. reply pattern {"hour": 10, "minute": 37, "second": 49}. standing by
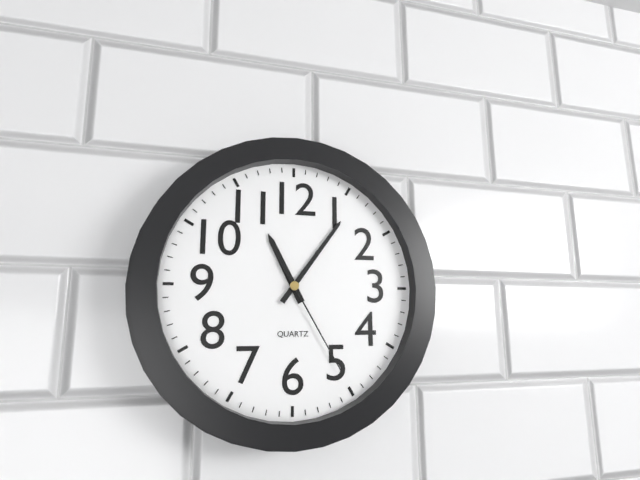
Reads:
{"hour": 11, "minute": 6, "second": 25}
